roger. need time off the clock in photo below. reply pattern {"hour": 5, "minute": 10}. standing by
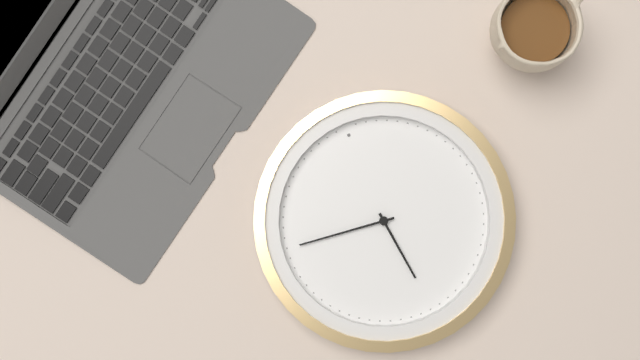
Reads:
{"hour": 5, "minute": 46}
